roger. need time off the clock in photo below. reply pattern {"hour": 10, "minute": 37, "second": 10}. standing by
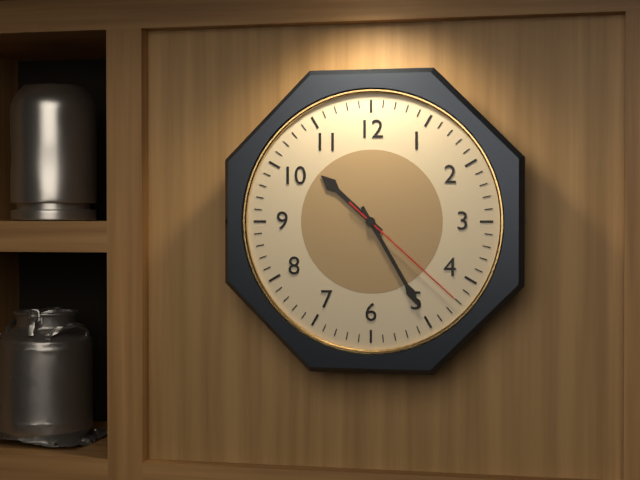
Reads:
{"hour": 10, "minute": 25, "second": 22}
